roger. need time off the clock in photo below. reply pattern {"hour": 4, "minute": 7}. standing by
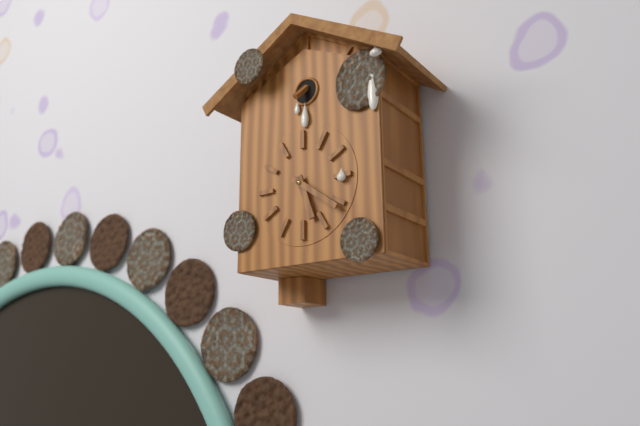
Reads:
{"hour": 5, "minute": 21}
